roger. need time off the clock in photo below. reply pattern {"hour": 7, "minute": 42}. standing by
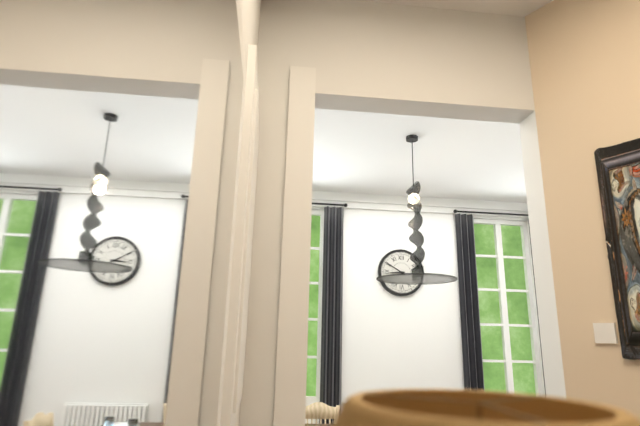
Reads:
{"hour": 8, "minute": 50}
